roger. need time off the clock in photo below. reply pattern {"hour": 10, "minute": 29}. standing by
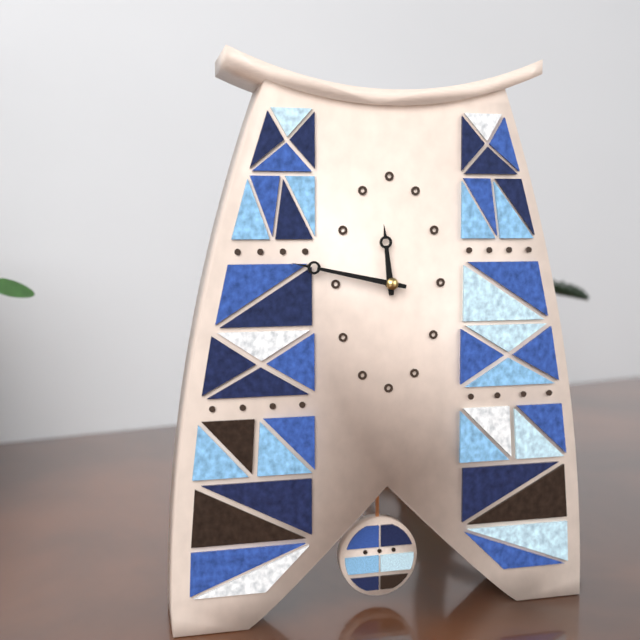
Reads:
{"hour": 11, "minute": 47}
